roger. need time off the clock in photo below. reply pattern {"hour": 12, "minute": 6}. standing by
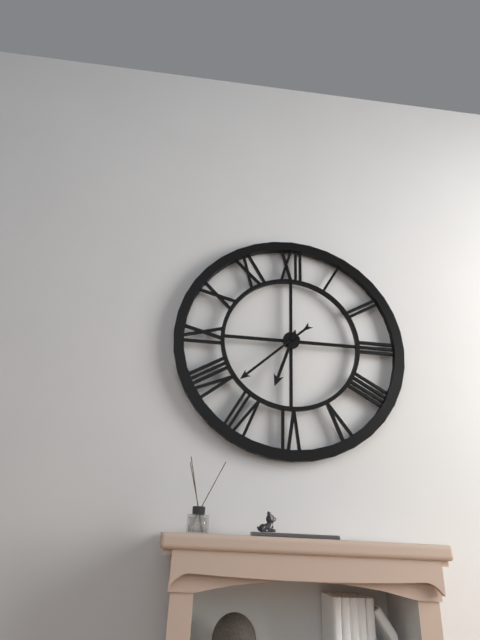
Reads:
{"hour": 6, "minute": 38}
